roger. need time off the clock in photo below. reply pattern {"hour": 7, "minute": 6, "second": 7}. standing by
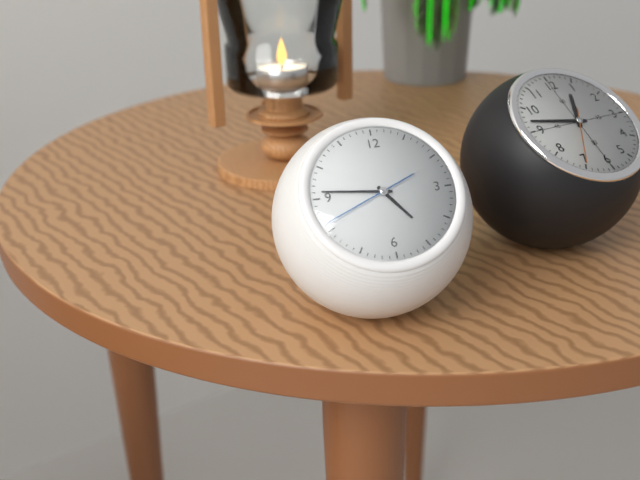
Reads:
{"hour": 4, "minute": 46, "second": 41}
